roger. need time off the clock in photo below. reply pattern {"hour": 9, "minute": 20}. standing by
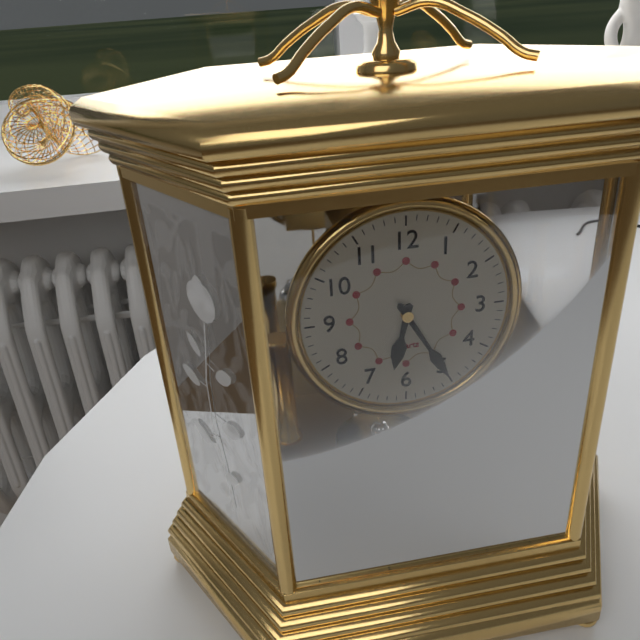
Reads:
{"hour": 6, "minute": 25}
